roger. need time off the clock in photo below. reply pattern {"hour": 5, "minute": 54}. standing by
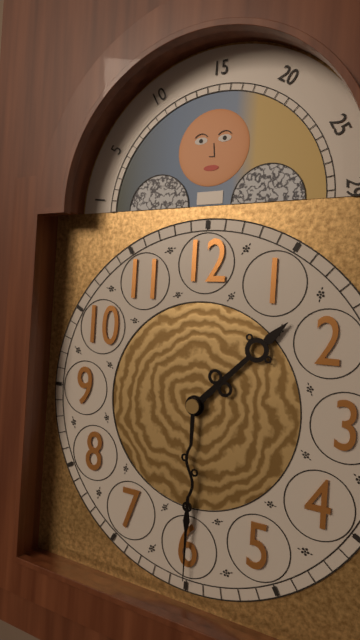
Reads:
{"hour": 1, "minute": 30}
